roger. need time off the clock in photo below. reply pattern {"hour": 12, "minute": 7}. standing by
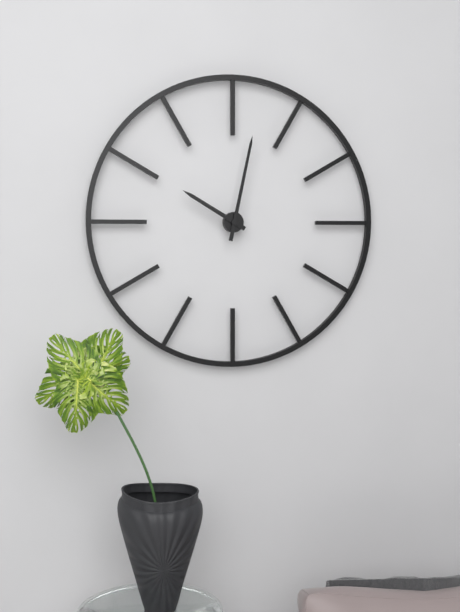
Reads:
{"hour": 10, "minute": 2}
